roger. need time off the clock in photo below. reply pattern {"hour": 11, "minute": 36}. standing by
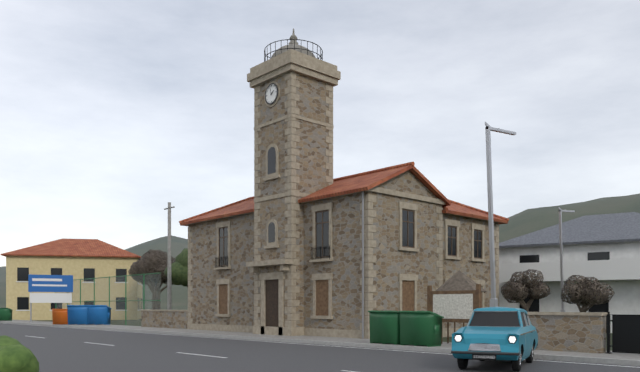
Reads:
{"hour": 1, "minute": 58}
